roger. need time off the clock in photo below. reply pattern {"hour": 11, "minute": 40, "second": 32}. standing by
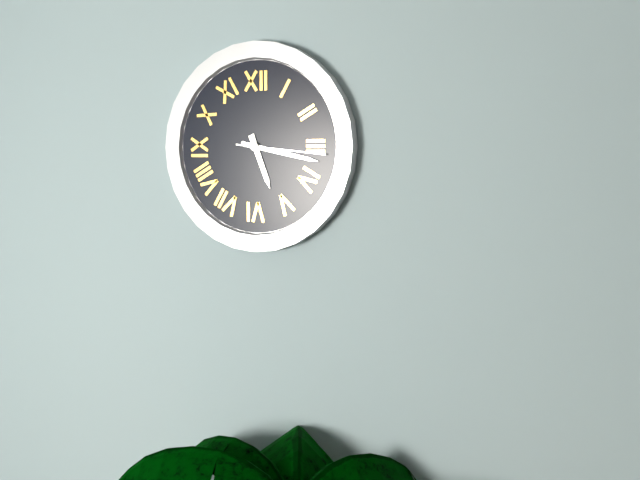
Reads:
{"hour": 5, "minute": 17, "second": 16}
